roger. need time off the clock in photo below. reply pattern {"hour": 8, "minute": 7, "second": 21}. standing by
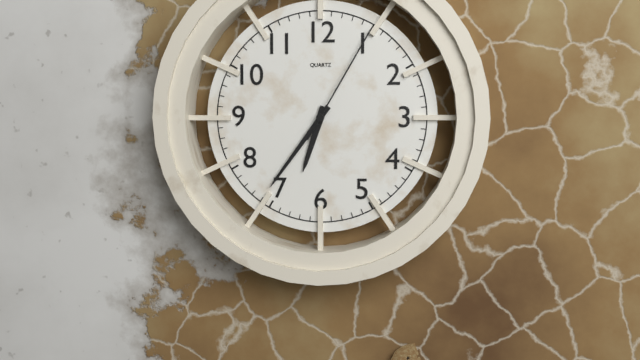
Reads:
{"hour": 6, "minute": 36, "second": 5}
